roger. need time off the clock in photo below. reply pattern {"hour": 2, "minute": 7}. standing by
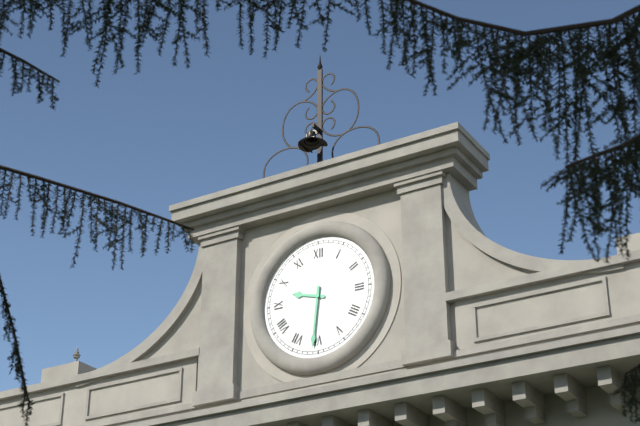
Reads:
{"hour": 9, "minute": 31}
